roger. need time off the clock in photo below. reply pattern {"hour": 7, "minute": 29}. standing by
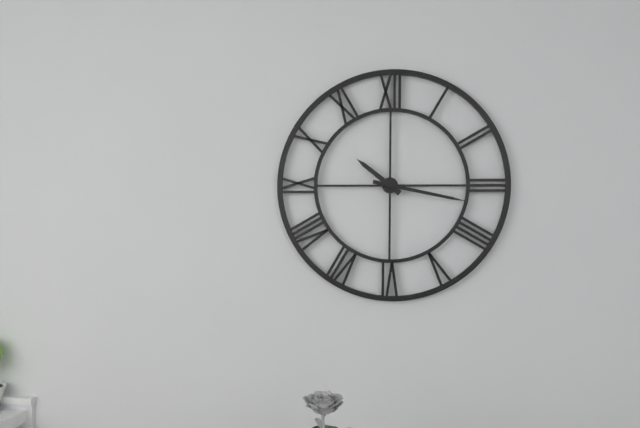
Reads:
{"hour": 10, "minute": 17}
